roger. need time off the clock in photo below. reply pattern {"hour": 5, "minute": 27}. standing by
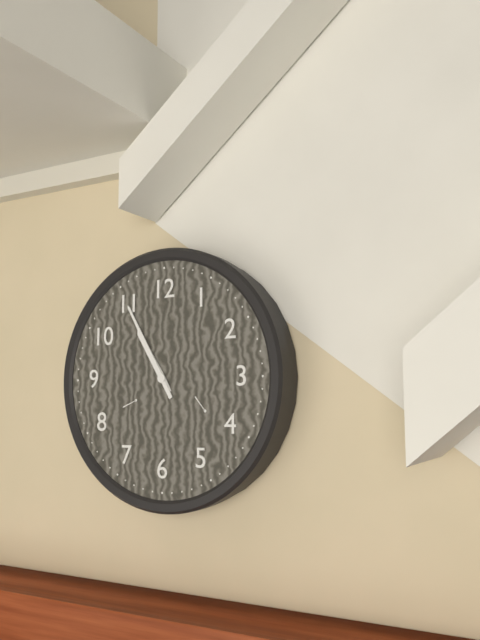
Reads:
{"hour": 10, "minute": 55}
